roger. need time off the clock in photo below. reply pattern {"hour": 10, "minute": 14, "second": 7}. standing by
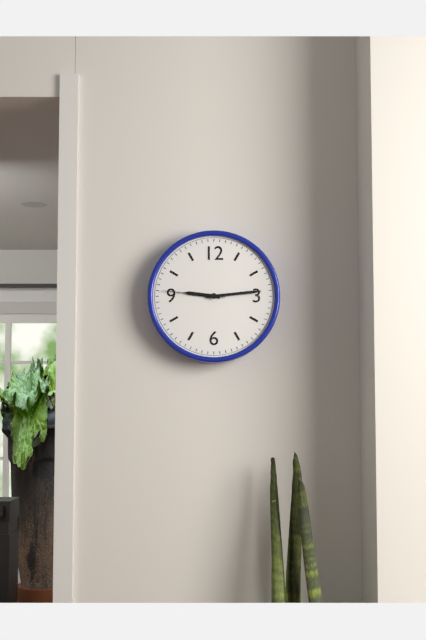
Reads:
{"hour": 9, "minute": 14, "second": 46}
